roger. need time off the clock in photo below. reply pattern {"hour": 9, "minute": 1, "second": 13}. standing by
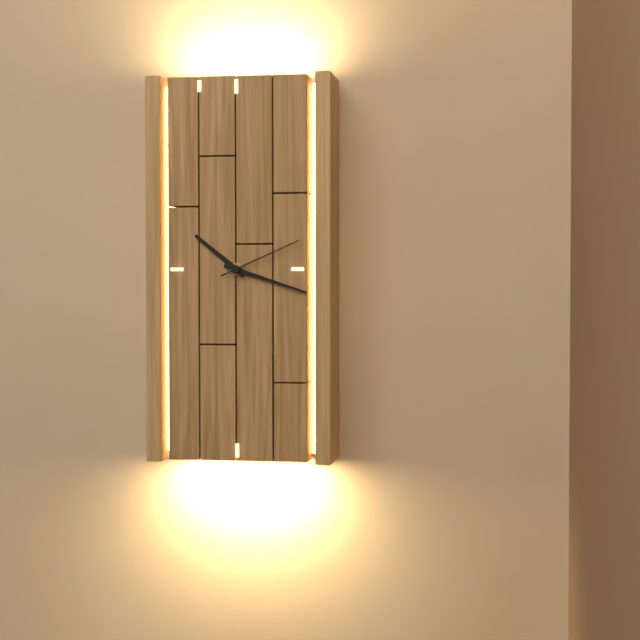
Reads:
{"hour": 10, "minute": 18, "second": 11}
